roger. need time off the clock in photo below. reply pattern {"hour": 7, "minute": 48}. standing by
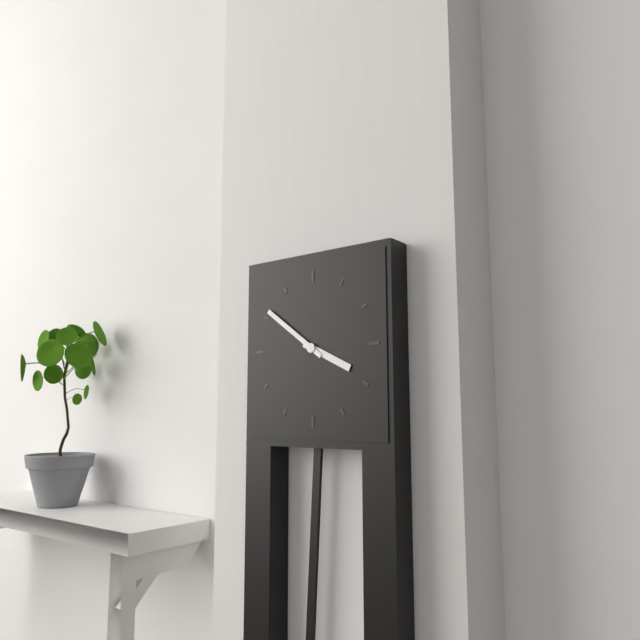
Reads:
{"hour": 3, "minute": 51}
